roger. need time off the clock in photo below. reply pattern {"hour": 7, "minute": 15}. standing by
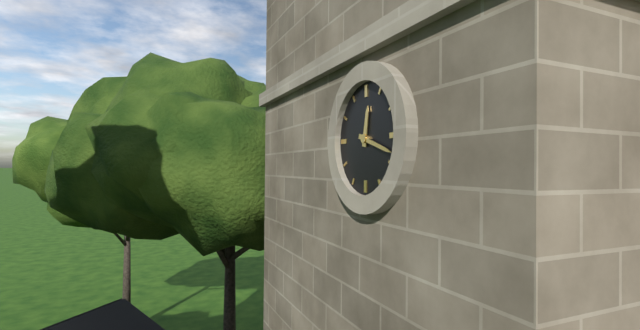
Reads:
{"hour": 12, "minute": 18}
